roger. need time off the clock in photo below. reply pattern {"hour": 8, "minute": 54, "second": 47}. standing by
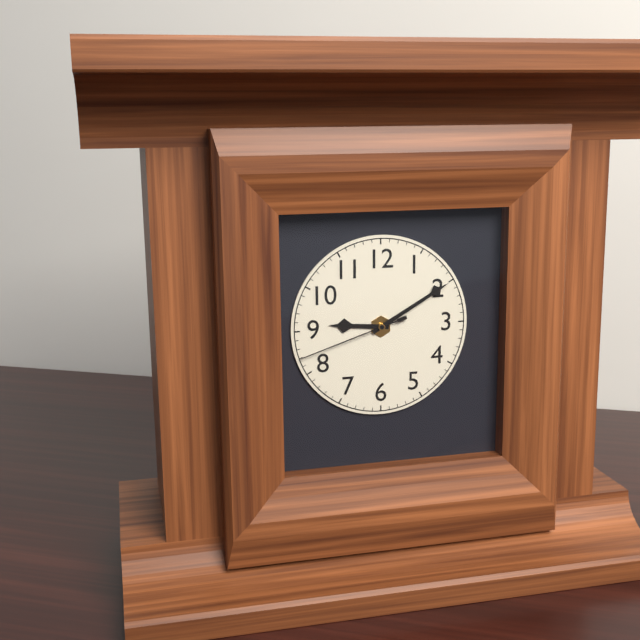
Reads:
{"hour": 9, "minute": 10, "second": 42}
